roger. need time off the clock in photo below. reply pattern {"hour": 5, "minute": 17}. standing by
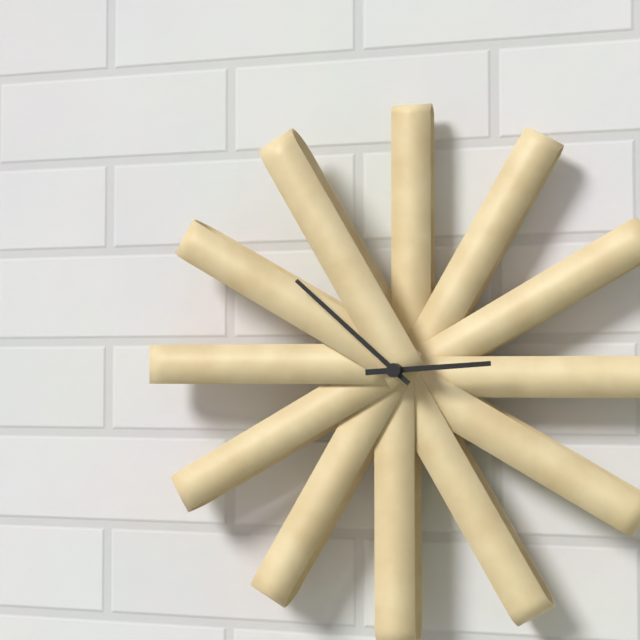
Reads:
{"hour": 2, "minute": 52}
